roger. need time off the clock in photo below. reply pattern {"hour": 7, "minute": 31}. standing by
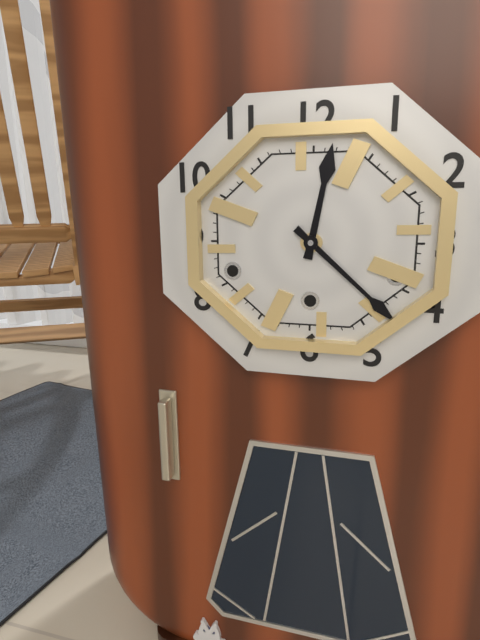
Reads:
{"hour": 12, "minute": 22}
